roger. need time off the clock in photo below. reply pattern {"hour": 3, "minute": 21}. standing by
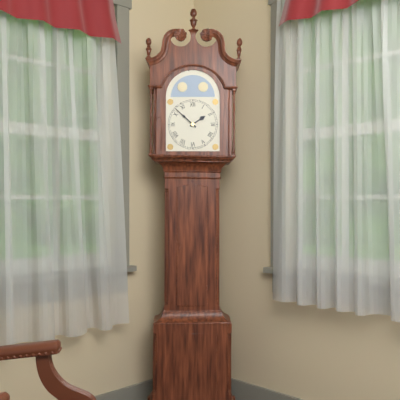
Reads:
{"hour": 1, "minute": 52}
